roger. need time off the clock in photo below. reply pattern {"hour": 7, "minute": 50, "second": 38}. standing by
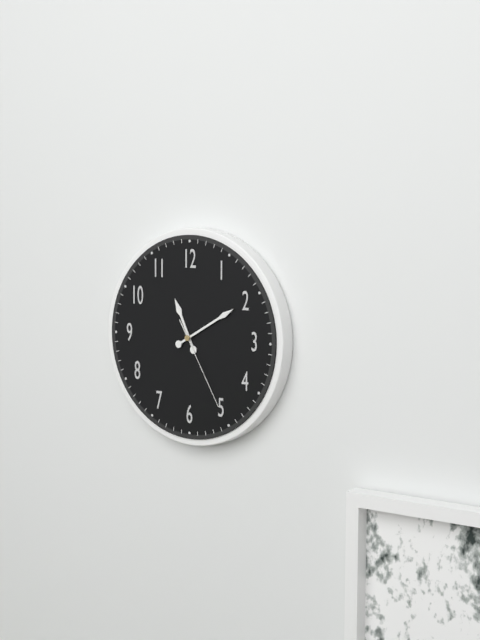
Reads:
{"hour": 11, "minute": 10, "second": 25}
